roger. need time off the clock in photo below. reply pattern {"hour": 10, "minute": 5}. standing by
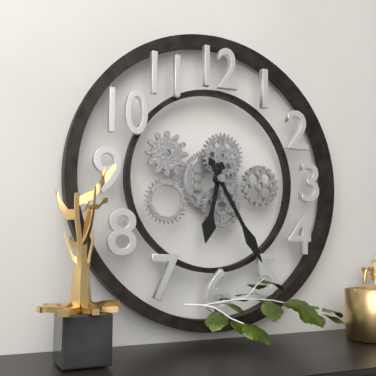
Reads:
{"hour": 6, "minute": 25}
